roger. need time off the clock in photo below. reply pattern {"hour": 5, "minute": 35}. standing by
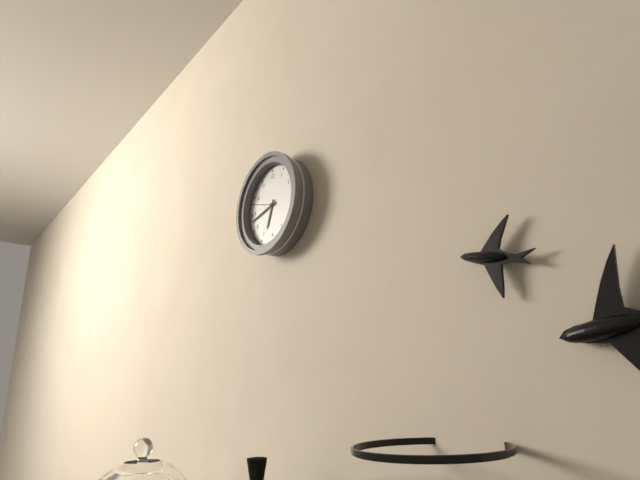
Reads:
{"hour": 6, "minute": 43}
